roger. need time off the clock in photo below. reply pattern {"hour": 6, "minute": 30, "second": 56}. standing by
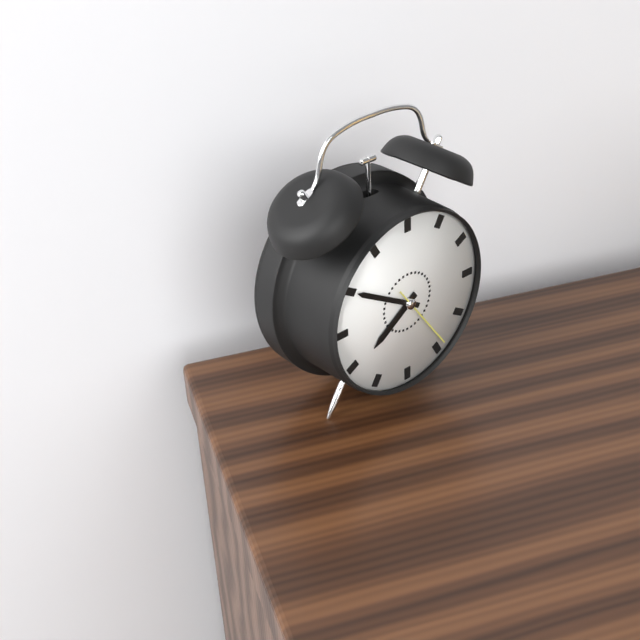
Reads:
{"hour": 7, "minute": 50, "second": 24}
